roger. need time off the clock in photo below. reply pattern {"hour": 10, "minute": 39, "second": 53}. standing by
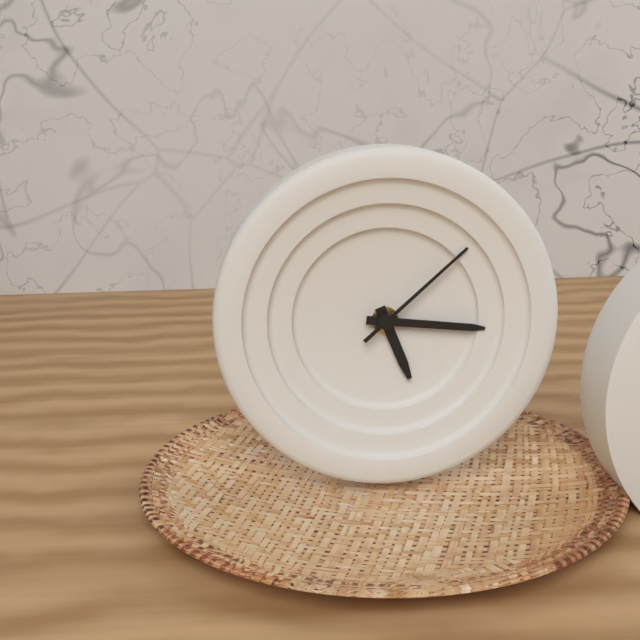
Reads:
{"hour": 5, "minute": 16, "second": 8}
